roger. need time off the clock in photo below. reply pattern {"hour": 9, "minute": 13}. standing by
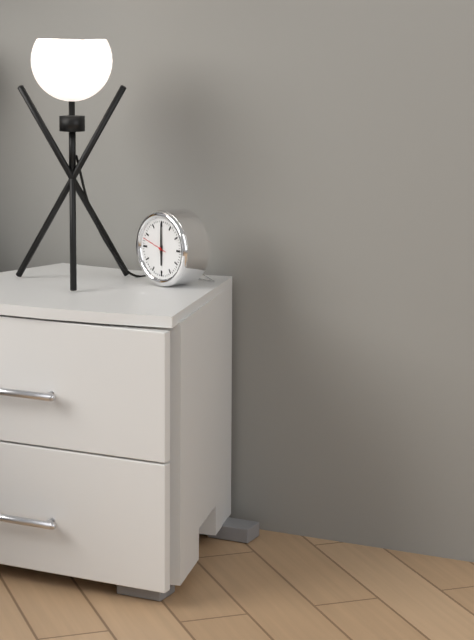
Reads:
{"hour": 6, "minute": 0}
